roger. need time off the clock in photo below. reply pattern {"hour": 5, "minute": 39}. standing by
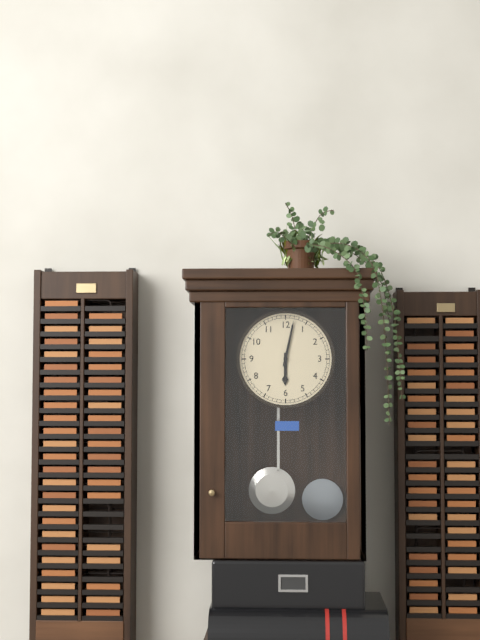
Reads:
{"hour": 6, "minute": 2}
